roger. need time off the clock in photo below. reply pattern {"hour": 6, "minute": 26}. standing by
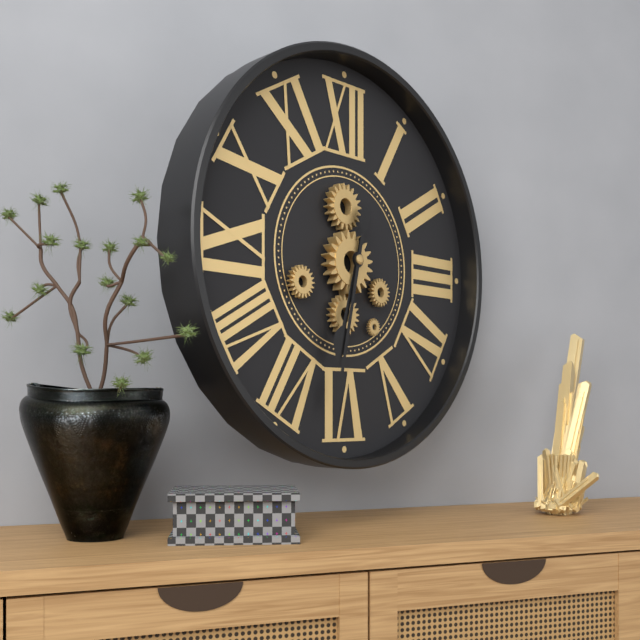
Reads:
{"hour": 6, "minute": 32}
